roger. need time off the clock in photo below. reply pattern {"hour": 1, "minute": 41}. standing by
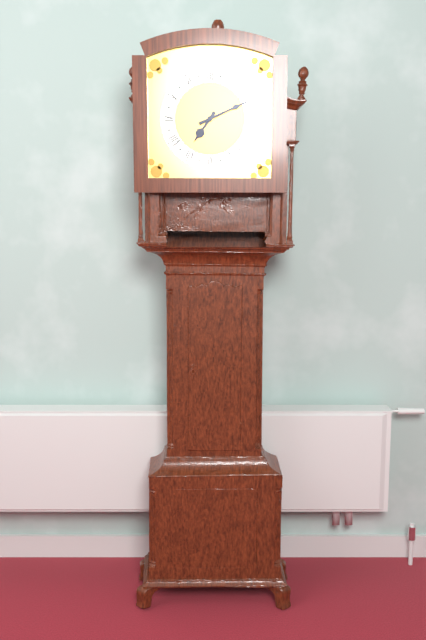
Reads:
{"hour": 7, "minute": 11}
